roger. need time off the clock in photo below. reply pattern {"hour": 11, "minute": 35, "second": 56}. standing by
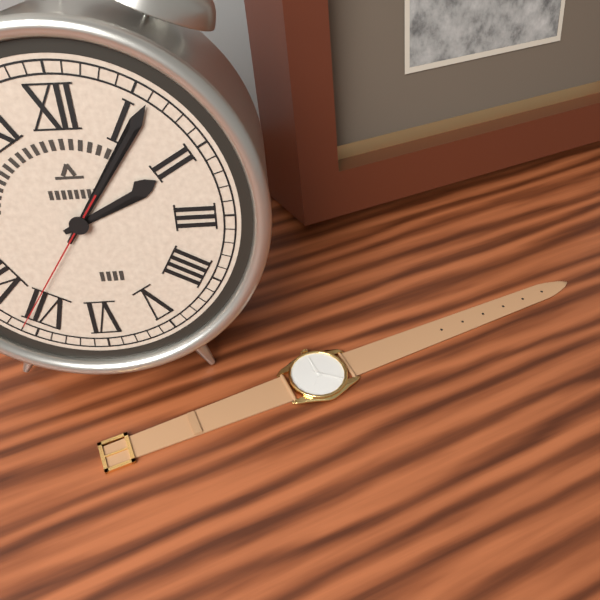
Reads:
{"hour": 2, "minute": 6, "second": 36}
